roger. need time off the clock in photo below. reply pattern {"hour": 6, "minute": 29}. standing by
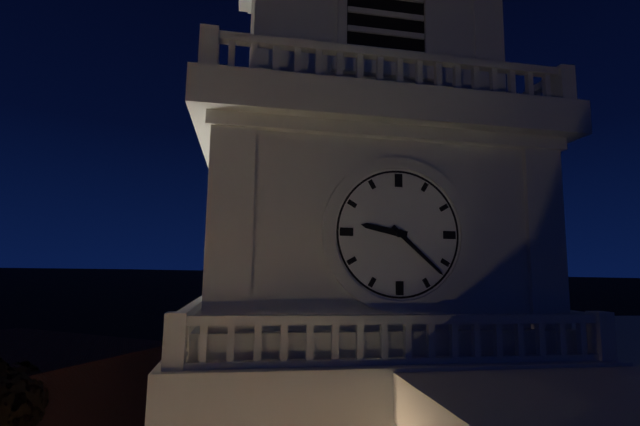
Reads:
{"hour": 9, "minute": 22}
